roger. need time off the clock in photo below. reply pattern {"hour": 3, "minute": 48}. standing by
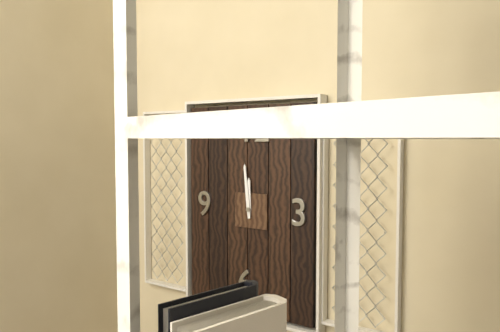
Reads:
{"hour": 11, "minute": 59}
